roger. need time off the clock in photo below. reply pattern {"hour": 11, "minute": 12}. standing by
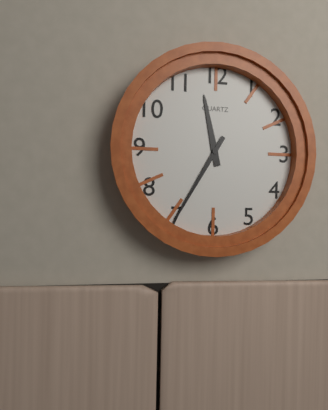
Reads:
{"hour": 11, "minute": 35}
